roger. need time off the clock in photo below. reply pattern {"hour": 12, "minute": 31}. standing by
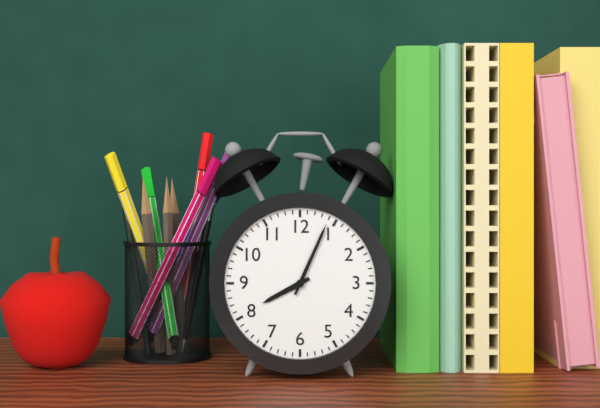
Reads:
{"hour": 8, "minute": 4}
